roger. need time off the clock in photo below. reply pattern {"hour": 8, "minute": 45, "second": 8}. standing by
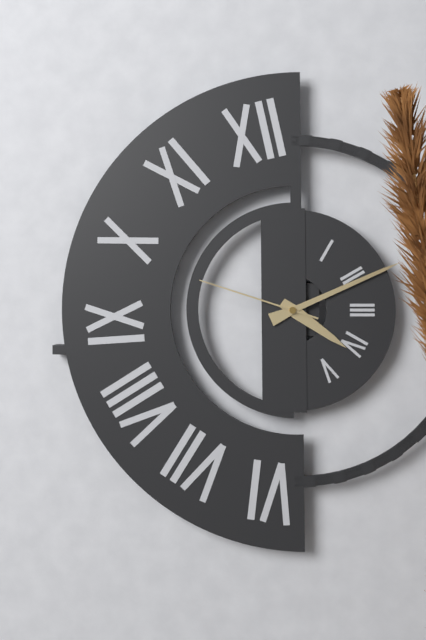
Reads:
{"hour": 4, "minute": 11, "second": 48}
